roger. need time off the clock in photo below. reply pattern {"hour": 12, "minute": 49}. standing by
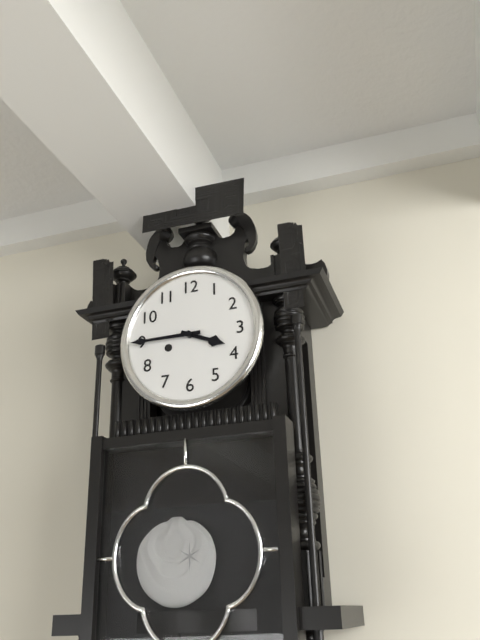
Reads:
{"hour": 3, "minute": 45}
